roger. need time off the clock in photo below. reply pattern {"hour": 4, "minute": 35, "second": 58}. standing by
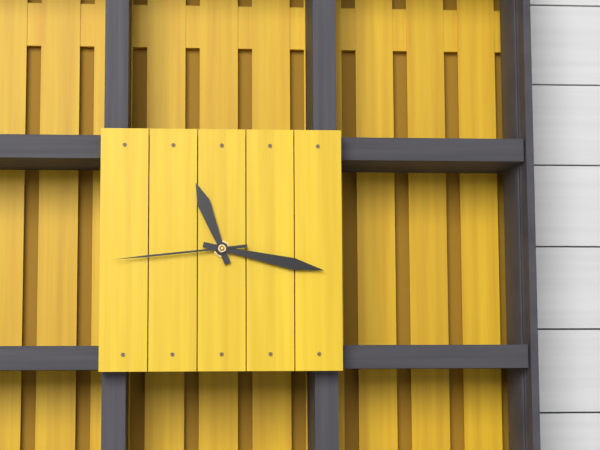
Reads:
{"hour": 11, "minute": 17, "second": 44}
